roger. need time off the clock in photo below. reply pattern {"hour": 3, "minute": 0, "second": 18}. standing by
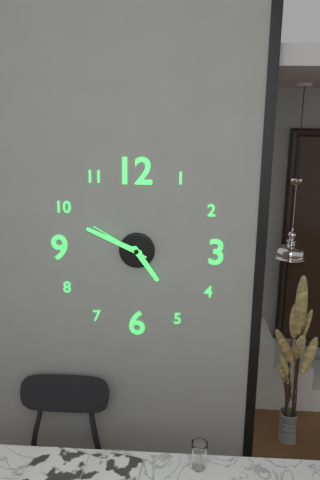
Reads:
{"hour": 4, "minute": 49, "second": 50}
